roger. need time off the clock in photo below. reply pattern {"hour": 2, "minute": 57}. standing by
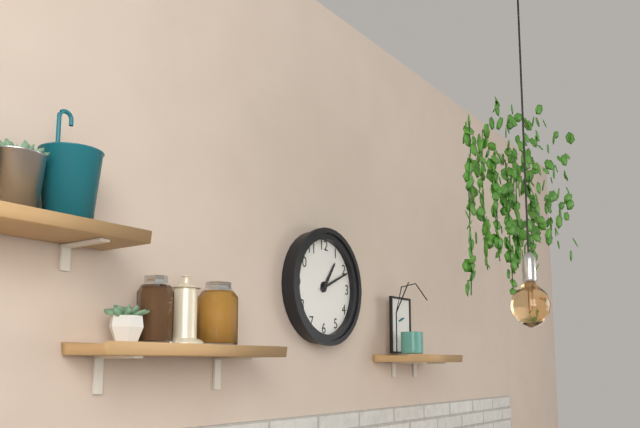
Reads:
{"hour": 1, "minute": 11}
